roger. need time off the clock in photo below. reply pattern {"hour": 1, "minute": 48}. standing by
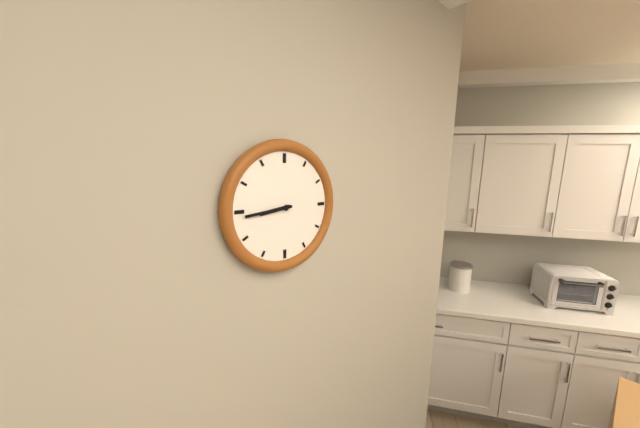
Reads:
{"hour": 8, "minute": 44}
